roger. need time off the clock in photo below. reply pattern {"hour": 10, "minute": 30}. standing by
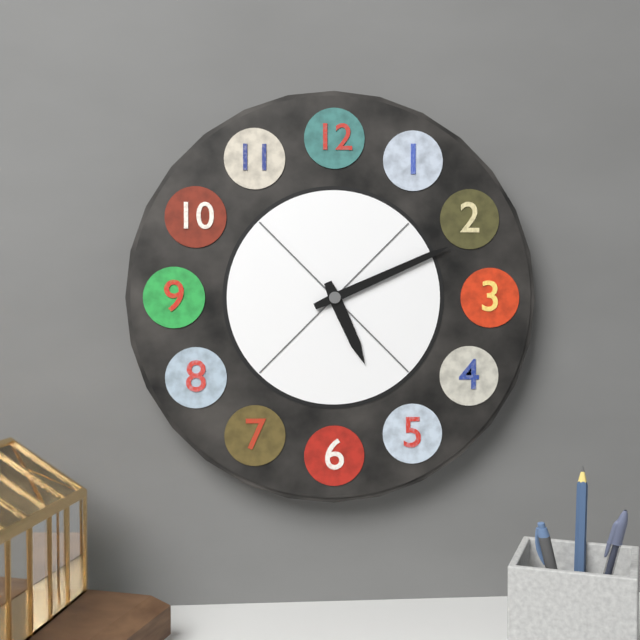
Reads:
{"hour": 5, "minute": 11}
